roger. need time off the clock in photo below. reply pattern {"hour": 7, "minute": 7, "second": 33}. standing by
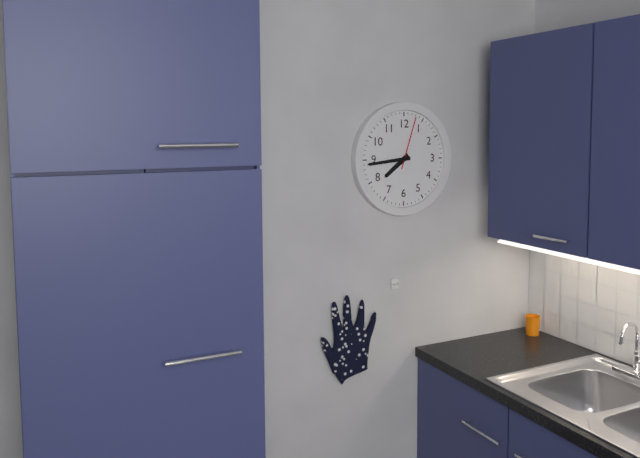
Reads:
{"hour": 7, "minute": 44, "second": 3}
